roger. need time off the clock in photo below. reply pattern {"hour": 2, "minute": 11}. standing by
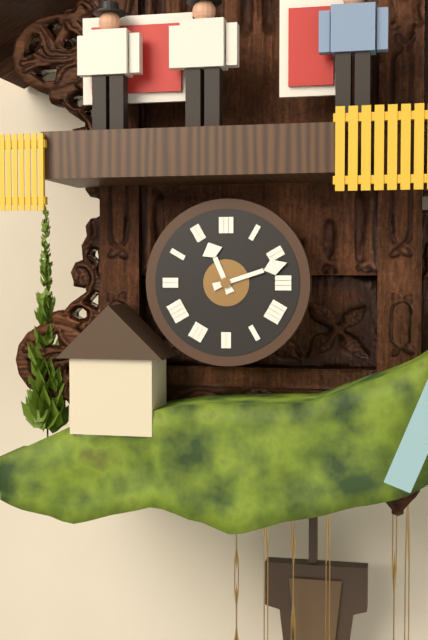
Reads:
{"hour": 11, "minute": 12}
